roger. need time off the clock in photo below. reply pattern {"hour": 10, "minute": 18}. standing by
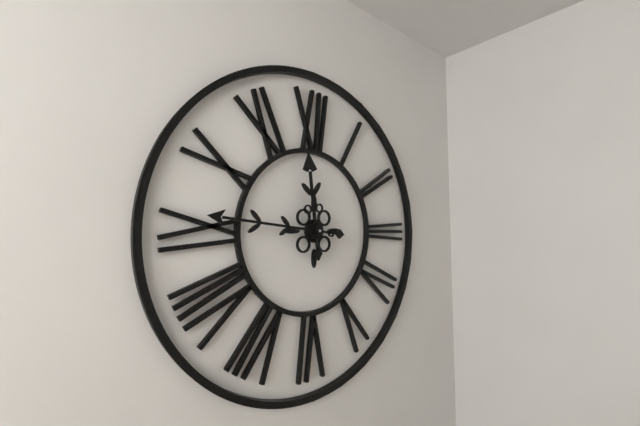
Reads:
{"hour": 11, "minute": 46}
